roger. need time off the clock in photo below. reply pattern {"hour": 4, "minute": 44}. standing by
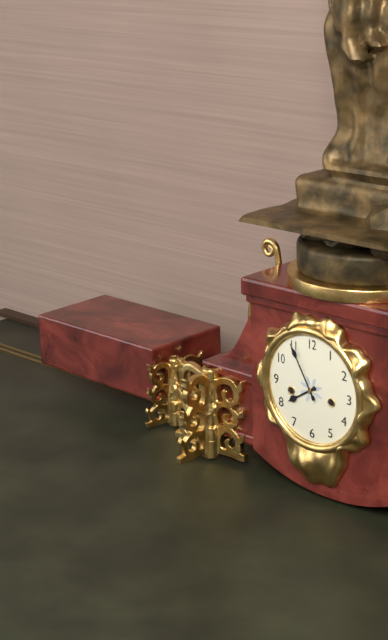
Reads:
{"hour": 7, "minute": 55}
